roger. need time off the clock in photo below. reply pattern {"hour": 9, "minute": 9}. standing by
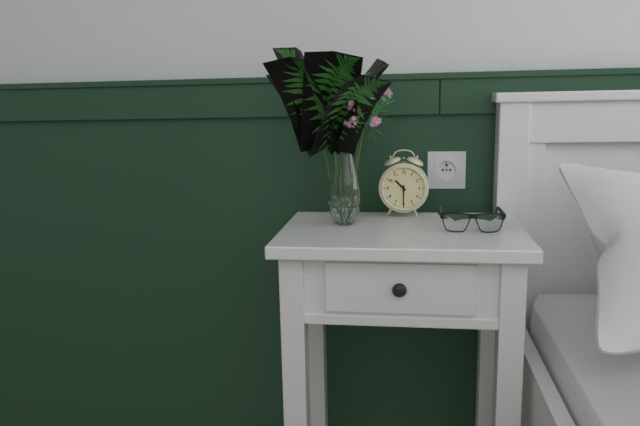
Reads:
{"hour": 10, "minute": 30}
